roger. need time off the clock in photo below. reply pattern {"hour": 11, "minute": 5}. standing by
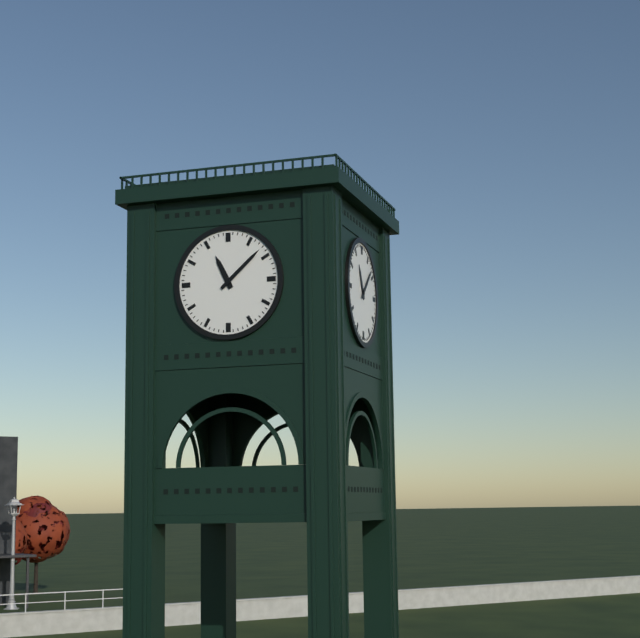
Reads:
{"hour": 11, "minute": 8}
